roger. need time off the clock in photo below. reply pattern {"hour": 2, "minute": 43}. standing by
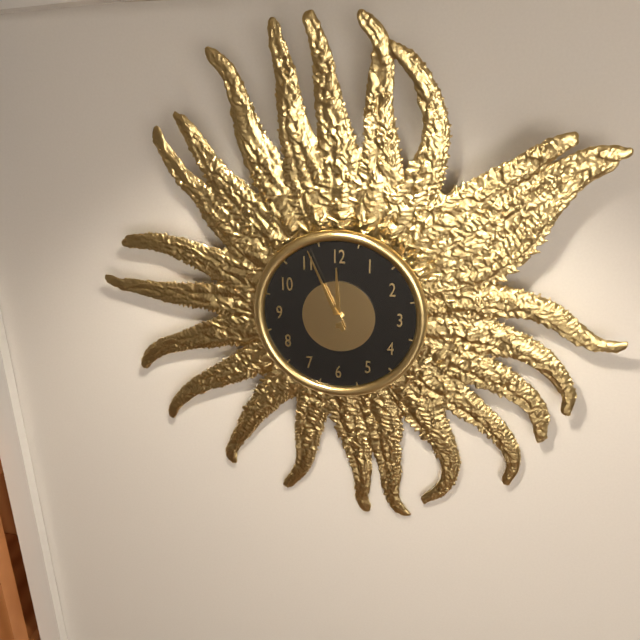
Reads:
{"hour": 11, "minute": 56}
